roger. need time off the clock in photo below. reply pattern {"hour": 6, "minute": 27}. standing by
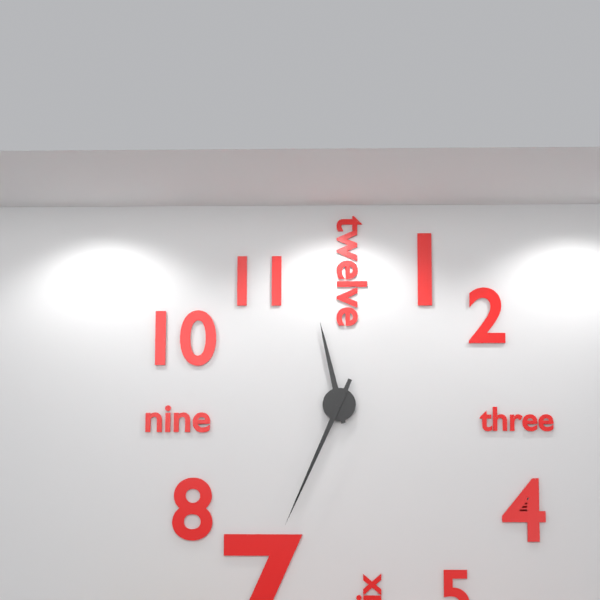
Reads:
{"hour": 11, "minute": 34}
